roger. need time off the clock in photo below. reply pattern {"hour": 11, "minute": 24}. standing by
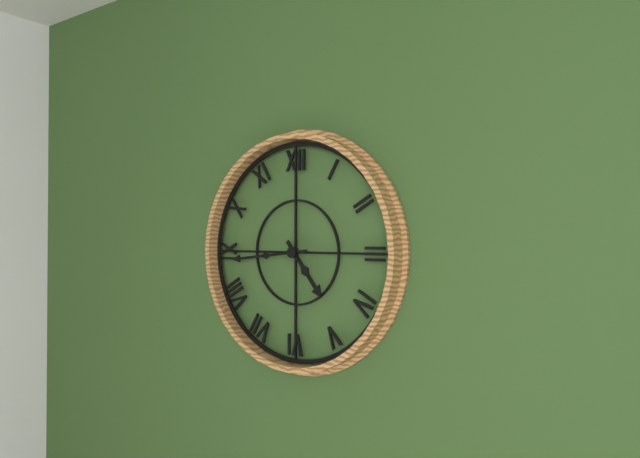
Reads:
{"hour": 4, "minute": 44}
